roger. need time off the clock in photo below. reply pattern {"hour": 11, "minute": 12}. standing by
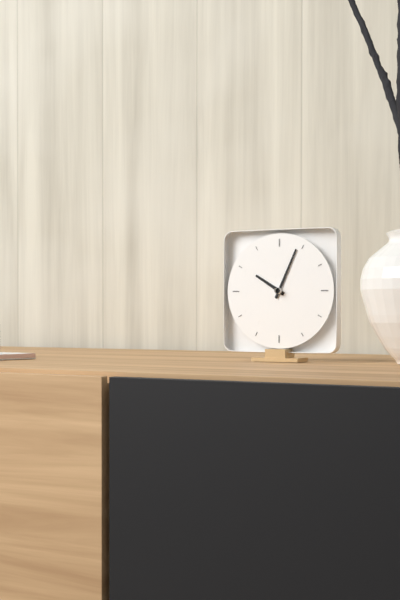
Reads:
{"hour": 10, "minute": 4}
